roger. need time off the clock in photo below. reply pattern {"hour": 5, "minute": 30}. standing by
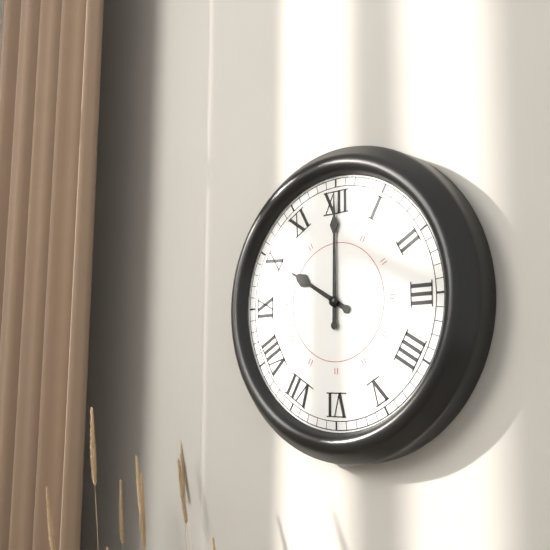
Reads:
{"hour": 10, "minute": 0}
